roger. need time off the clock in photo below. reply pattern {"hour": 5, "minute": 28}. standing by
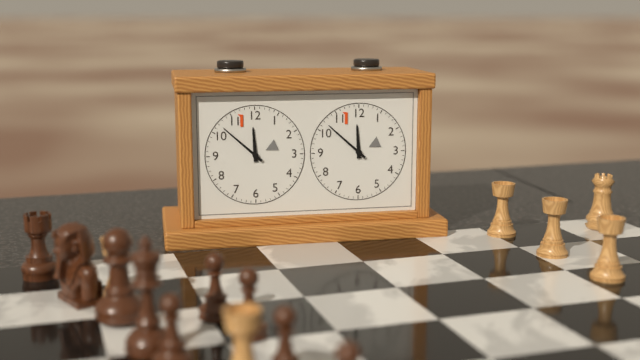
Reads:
{"hour": 11, "minute": 52}
